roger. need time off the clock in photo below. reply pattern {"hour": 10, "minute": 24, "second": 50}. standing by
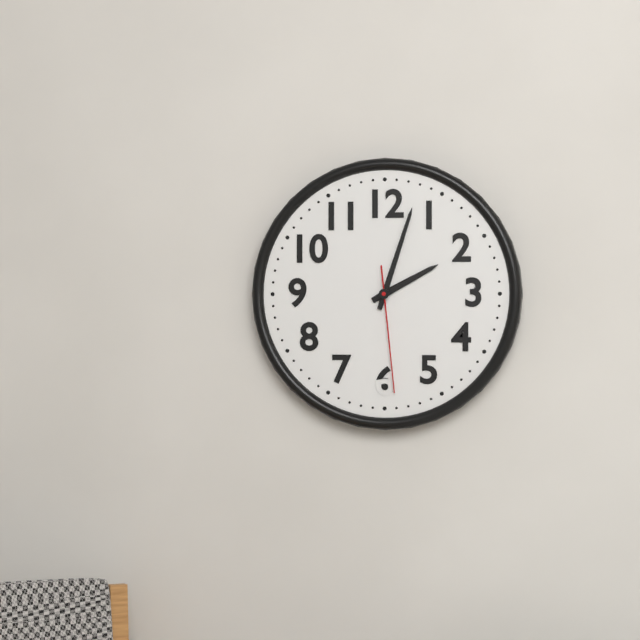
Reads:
{"hour": 2, "minute": 3, "second": 29}
